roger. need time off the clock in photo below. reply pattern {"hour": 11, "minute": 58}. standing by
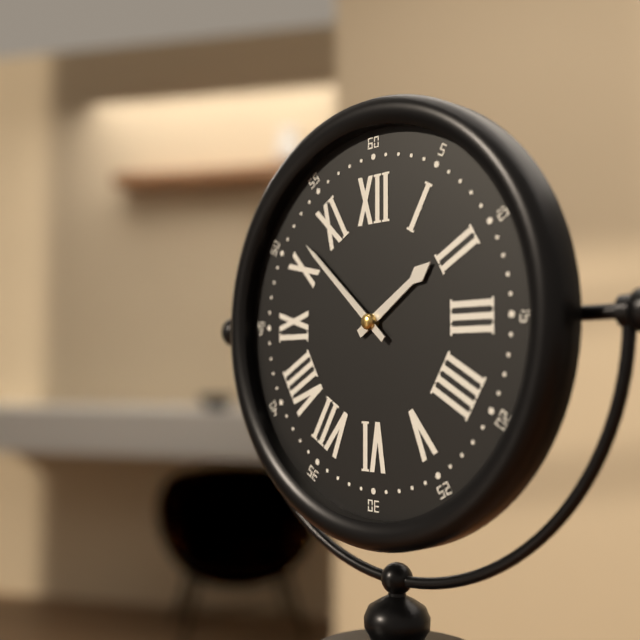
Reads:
{"hour": 1, "minute": 52}
